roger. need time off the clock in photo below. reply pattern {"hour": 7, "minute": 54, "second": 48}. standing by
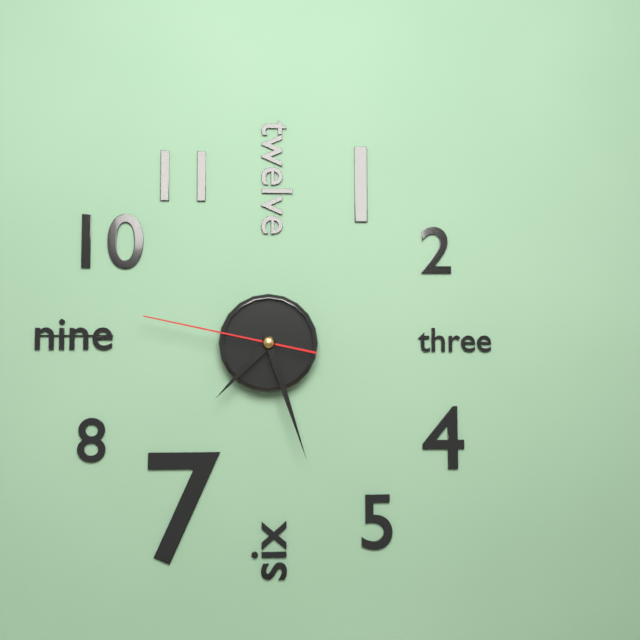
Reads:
{"hour": 7, "minute": 27, "second": 47}
